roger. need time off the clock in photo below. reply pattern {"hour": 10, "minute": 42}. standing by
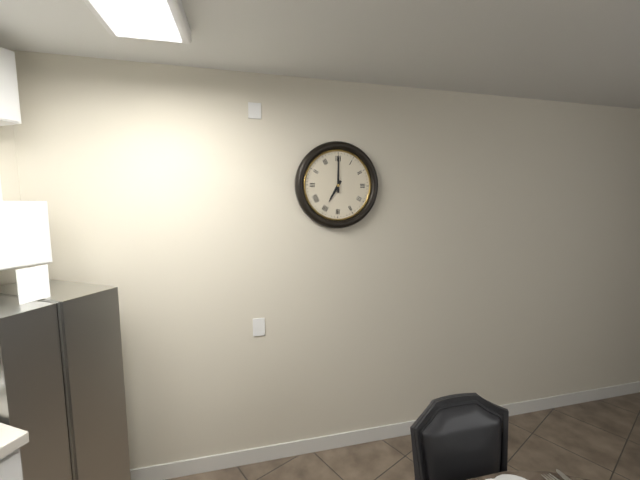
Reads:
{"hour": 7, "minute": 0}
